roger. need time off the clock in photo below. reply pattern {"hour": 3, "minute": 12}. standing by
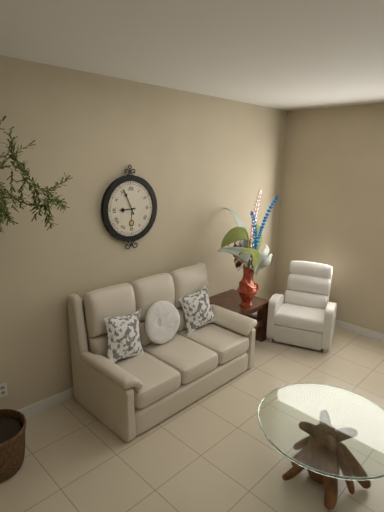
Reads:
{"hour": 8, "minute": 56}
